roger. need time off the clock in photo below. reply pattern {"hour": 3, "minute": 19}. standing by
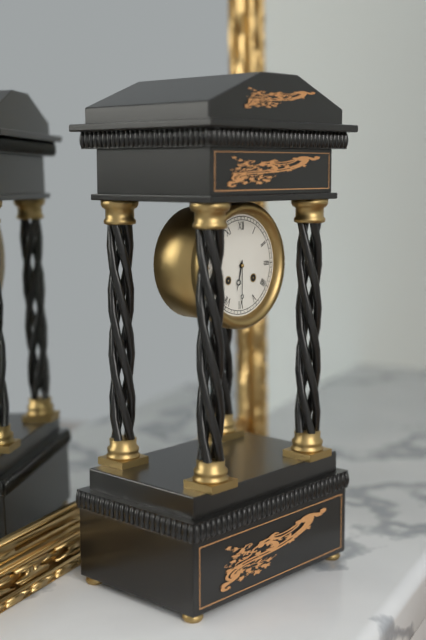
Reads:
{"hour": 6, "minute": 30}
